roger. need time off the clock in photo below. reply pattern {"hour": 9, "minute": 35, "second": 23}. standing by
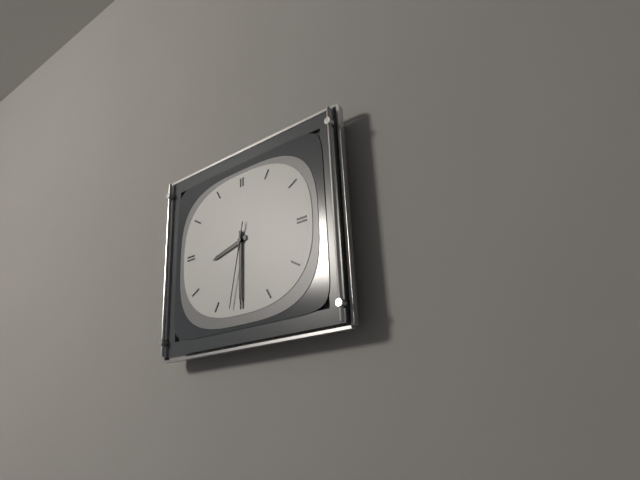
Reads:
{"hour": 8, "minute": 30, "second": 32}
